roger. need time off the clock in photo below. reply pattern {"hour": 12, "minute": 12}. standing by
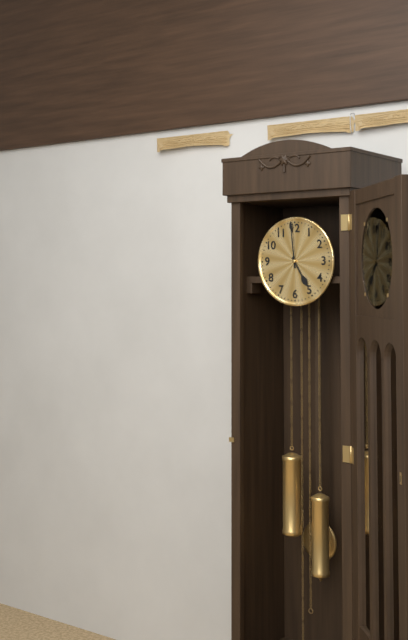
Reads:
{"hour": 4, "minute": 59}
